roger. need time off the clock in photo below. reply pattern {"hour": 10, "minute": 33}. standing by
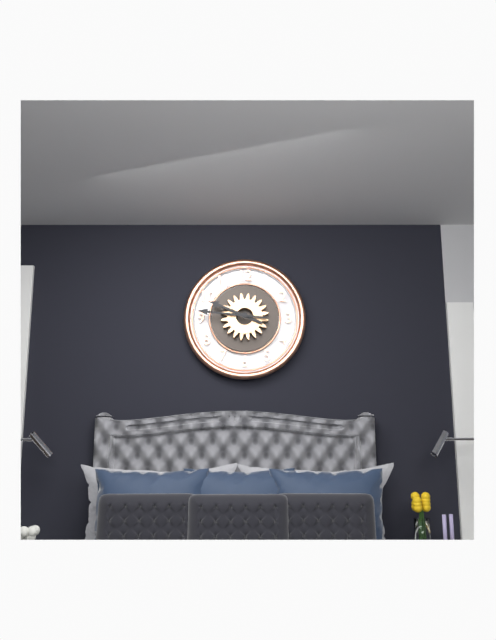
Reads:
{"hour": 9, "minute": 46}
